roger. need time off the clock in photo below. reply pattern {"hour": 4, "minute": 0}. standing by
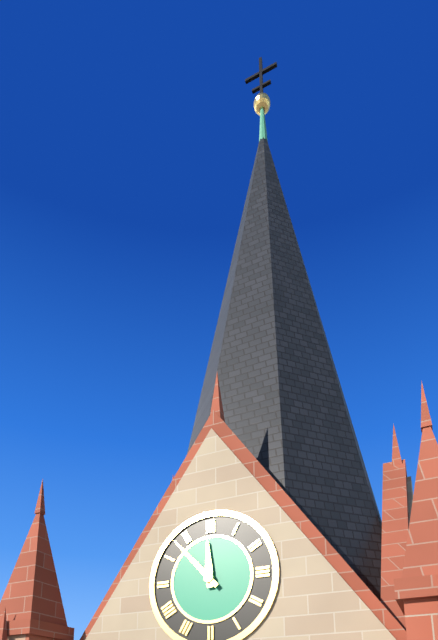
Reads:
{"hour": 11, "minute": 53}
